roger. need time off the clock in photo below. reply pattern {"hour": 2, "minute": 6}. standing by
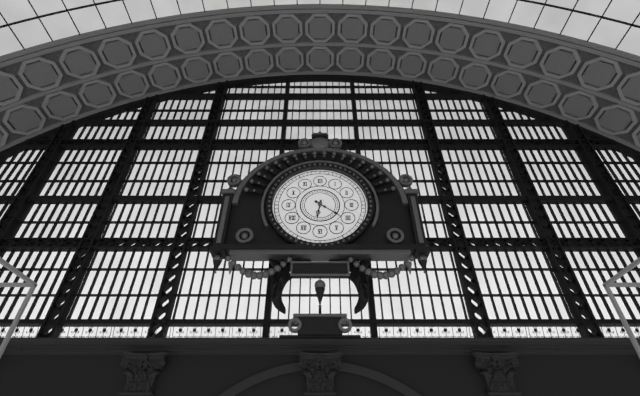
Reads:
{"hour": 6, "minute": 21}
